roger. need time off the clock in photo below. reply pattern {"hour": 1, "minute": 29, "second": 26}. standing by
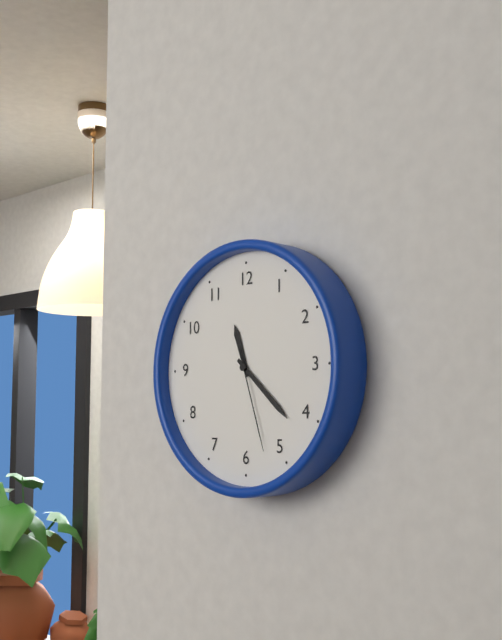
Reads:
{"hour": 11, "minute": 22, "second": 27}
